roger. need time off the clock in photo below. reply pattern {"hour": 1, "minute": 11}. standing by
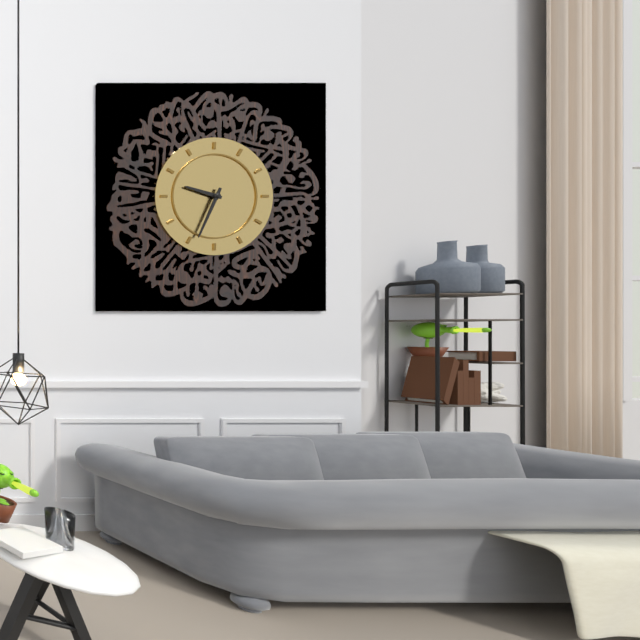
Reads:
{"hour": 9, "minute": 34}
